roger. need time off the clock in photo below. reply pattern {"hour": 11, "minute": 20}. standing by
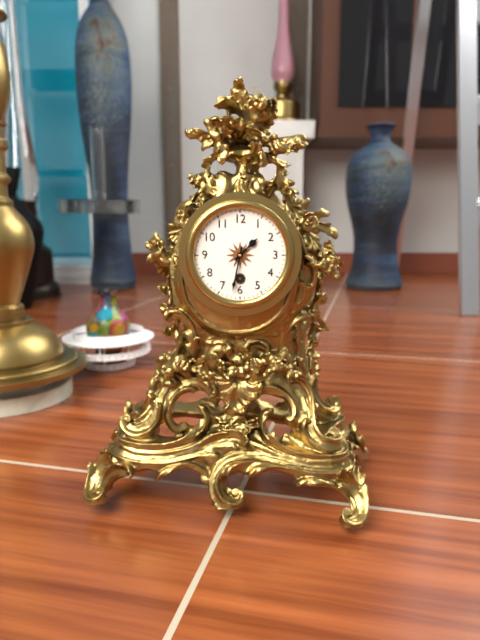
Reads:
{"hour": 1, "minute": 32}
